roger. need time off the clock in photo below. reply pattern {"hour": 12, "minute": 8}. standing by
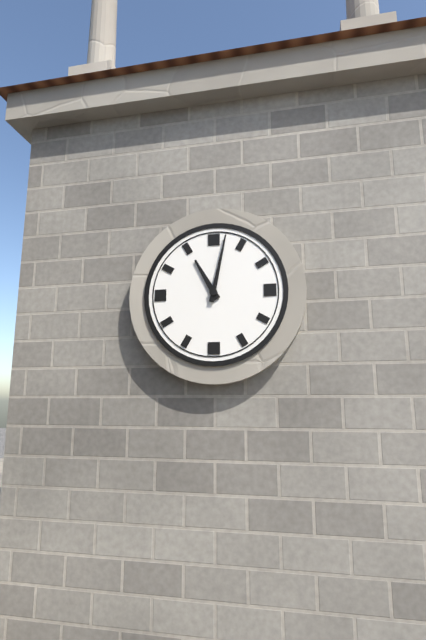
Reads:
{"hour": 11, "minute": 2}
